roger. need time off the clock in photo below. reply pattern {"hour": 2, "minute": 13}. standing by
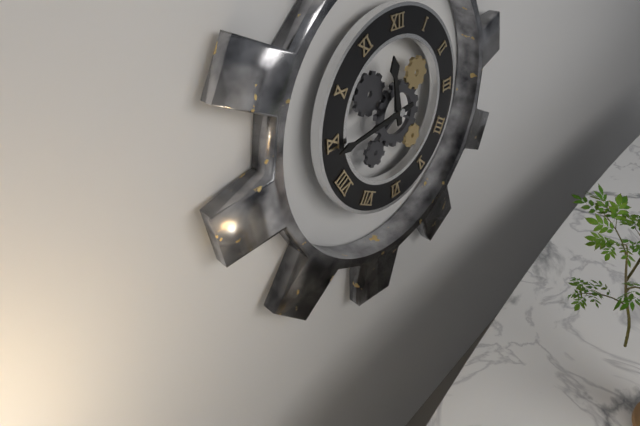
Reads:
{"hour": 11, "minute": 44}
